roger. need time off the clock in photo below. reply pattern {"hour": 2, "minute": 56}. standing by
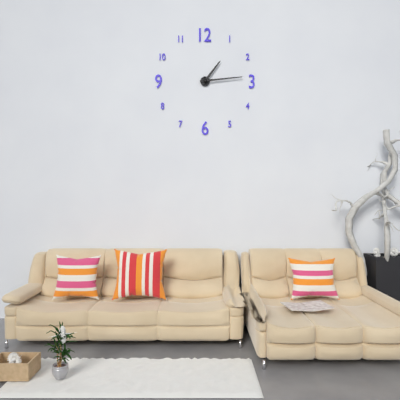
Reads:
{"hour": 1, "minute": 14}
